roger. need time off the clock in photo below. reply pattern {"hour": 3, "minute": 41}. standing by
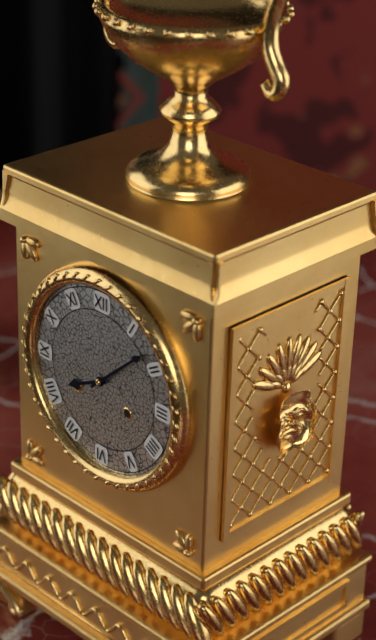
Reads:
{"hour": 8, "minute": 8}
